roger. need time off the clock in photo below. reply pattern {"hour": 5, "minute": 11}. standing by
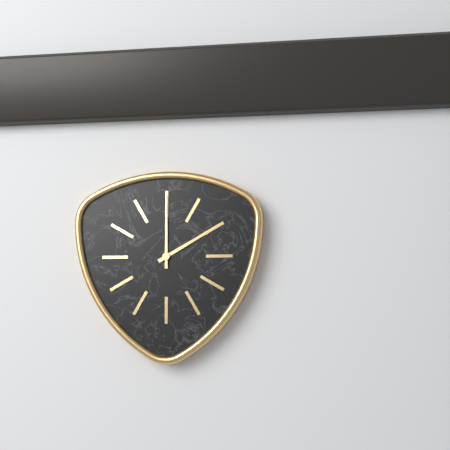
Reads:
{"hour": 2, "minute": 0}
